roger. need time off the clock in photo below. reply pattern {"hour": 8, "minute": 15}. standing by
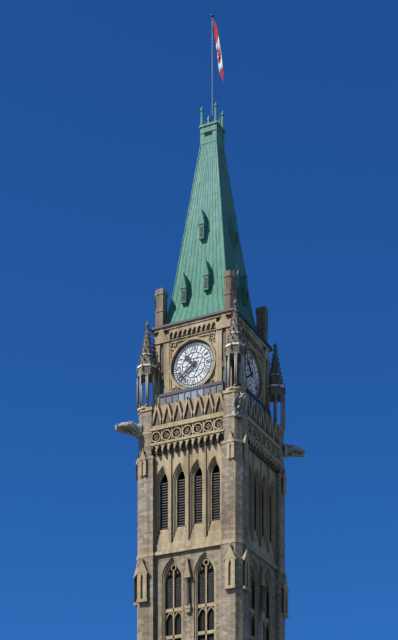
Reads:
{"hour": 10, "minute": 39}
